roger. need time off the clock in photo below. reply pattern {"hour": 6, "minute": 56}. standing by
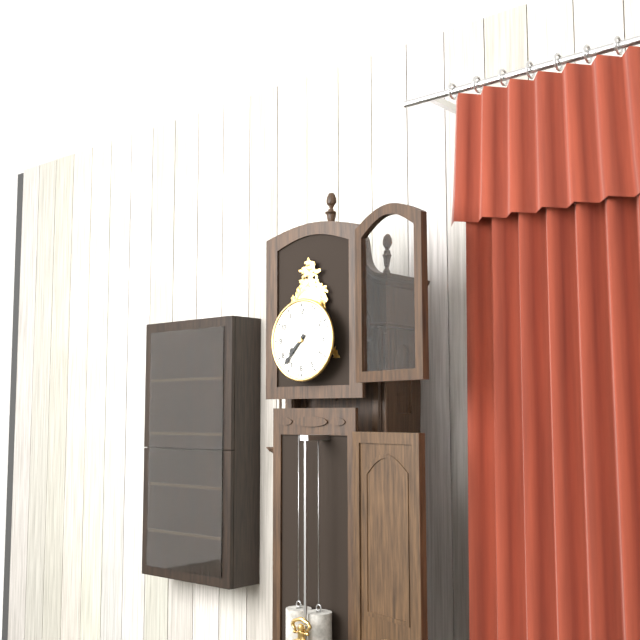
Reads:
{"hour": 7, "minute": 37}
